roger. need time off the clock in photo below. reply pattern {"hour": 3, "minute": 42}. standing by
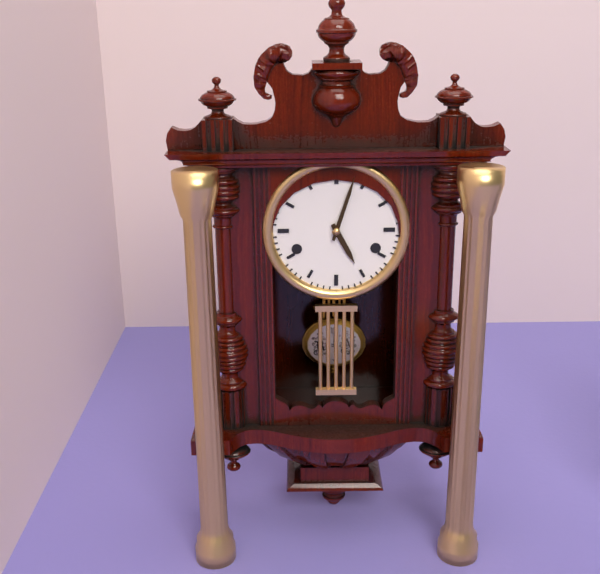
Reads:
{"hour": 5, "minute": 3}
